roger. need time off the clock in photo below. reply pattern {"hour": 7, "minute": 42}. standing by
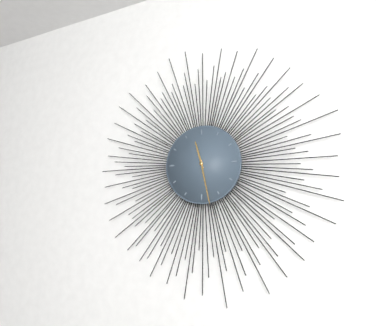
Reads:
{"hour": 11, "minute": 28}
